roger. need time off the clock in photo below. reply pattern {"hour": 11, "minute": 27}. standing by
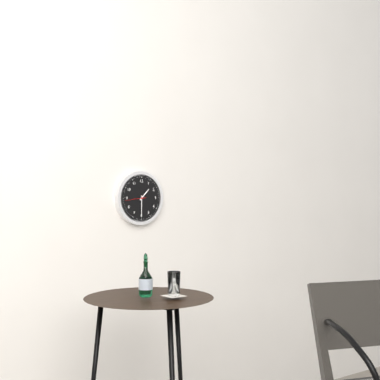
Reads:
{"hour": 1, "minute": 30}
